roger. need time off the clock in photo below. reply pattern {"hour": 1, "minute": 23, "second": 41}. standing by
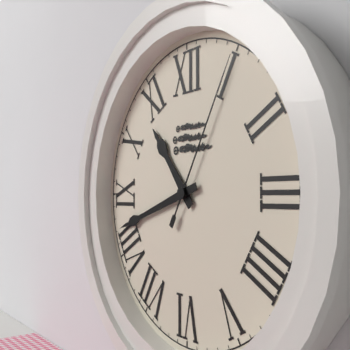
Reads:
{"hour": 10, "minute": 42, "second": 5}
